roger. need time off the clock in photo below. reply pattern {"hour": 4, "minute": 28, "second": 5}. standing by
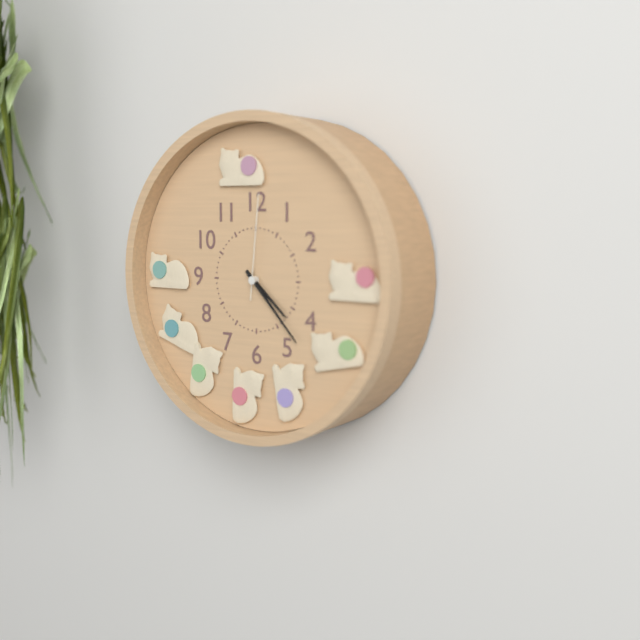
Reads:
{"hour": 4, "minute": 23, "second": 1}
